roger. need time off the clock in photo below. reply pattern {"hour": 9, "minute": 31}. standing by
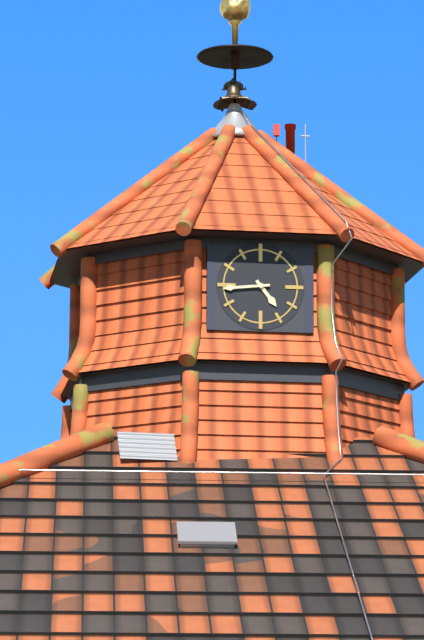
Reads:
{"hour": 4, "minute": 44}
